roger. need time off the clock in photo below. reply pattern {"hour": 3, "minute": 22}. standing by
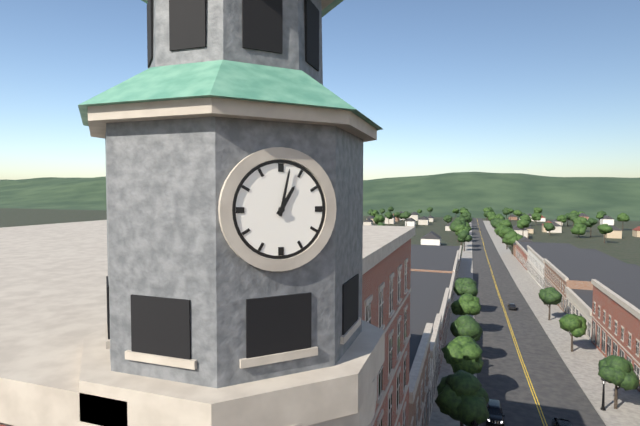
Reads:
{"hour": 1, "minute": 2}
